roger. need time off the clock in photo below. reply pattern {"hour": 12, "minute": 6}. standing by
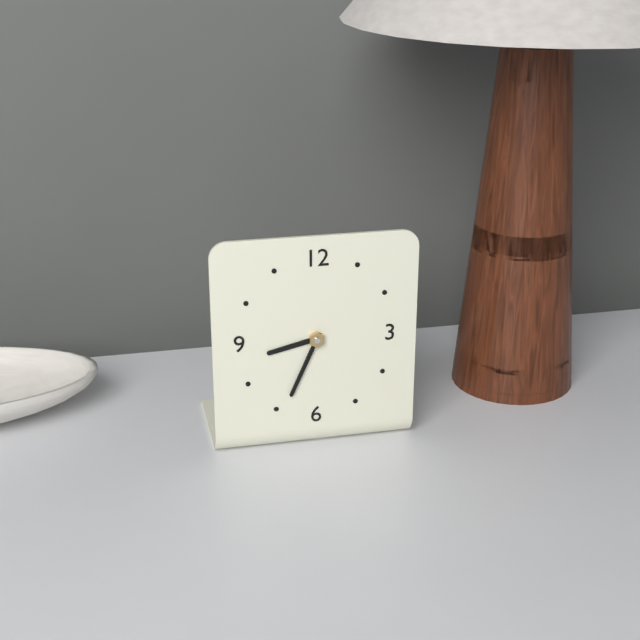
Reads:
{"hour": 8, "minute": 34}
